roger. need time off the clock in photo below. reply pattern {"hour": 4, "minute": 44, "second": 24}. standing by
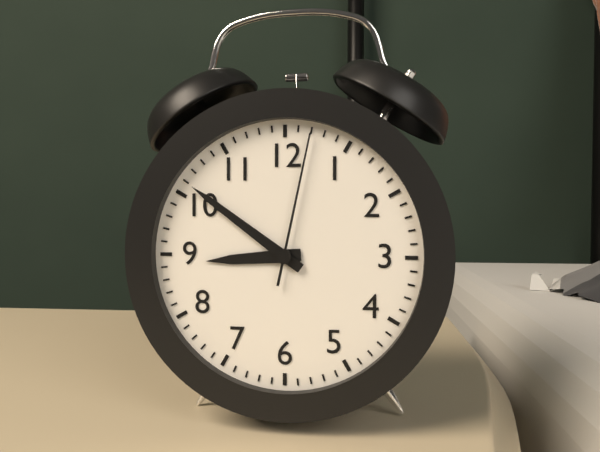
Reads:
{"hour": 8, "minute": 51, "second": 2}
